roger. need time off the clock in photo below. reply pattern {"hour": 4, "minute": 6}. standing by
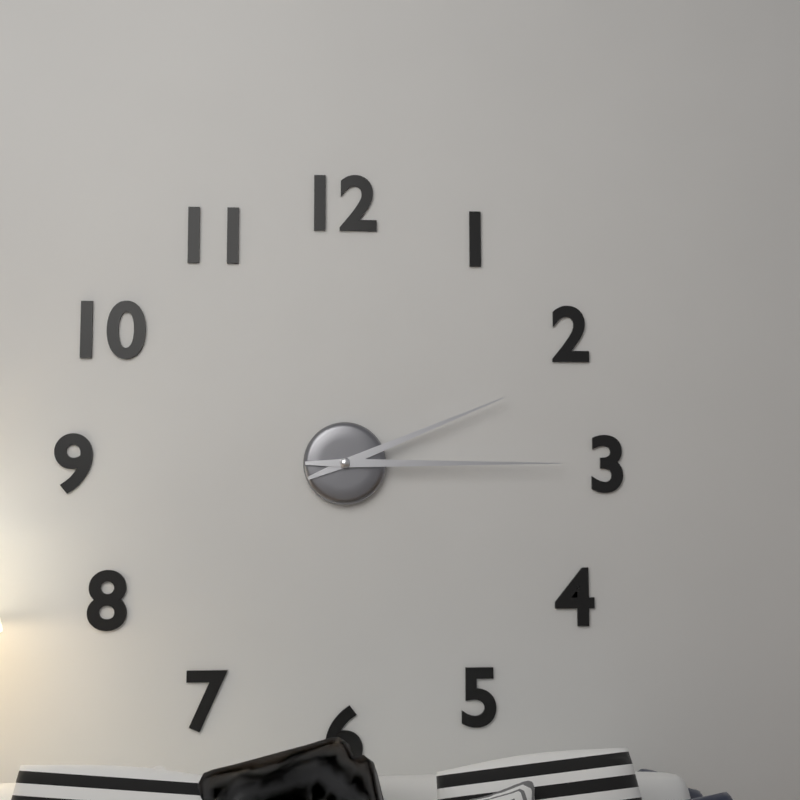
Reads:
{"hour": 2, "minute": 15}
